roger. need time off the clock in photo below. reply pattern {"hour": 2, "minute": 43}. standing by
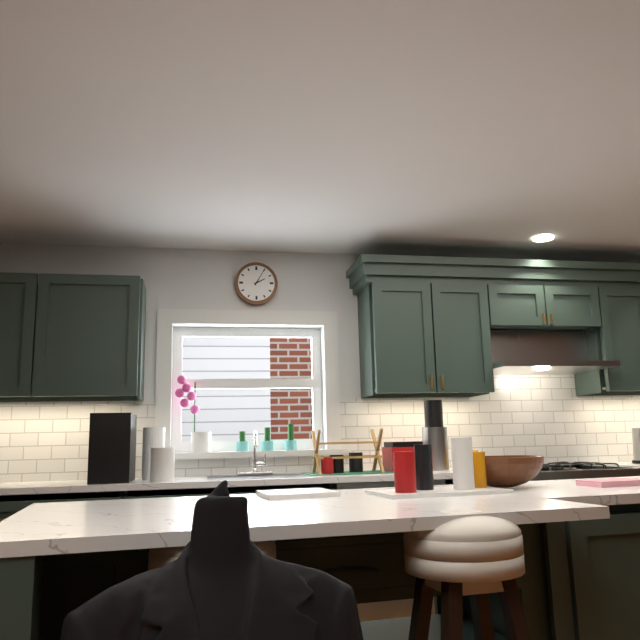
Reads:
{"hour": 2, "minute": 5}
